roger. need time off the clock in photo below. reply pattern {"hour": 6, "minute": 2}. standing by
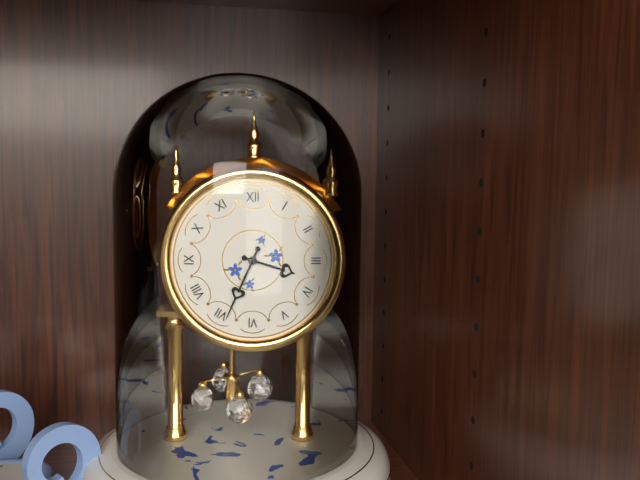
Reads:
{"hour": 3, "minute": 34}
